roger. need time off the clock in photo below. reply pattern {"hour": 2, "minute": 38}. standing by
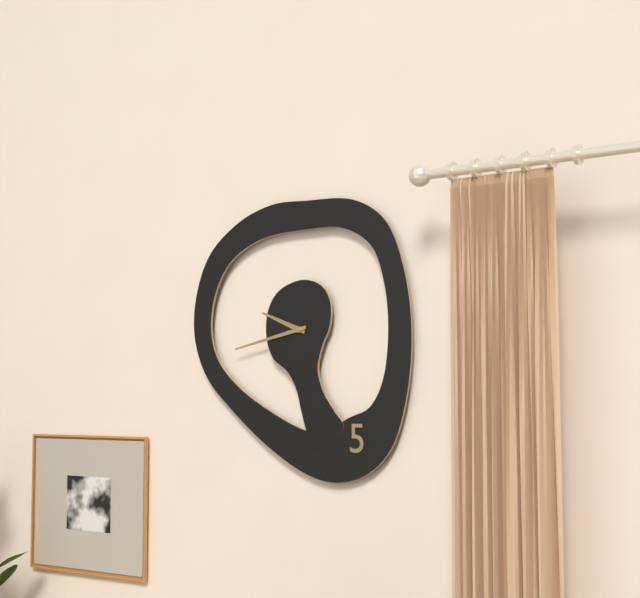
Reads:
{"hour": 9, "minute": 43}
